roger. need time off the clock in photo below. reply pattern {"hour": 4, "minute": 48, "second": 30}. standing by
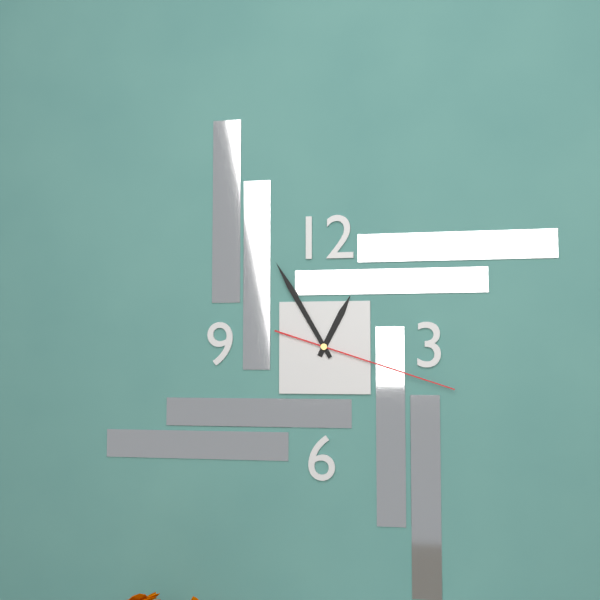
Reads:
{"hour": 12, "minute": 55, "second": 18}
